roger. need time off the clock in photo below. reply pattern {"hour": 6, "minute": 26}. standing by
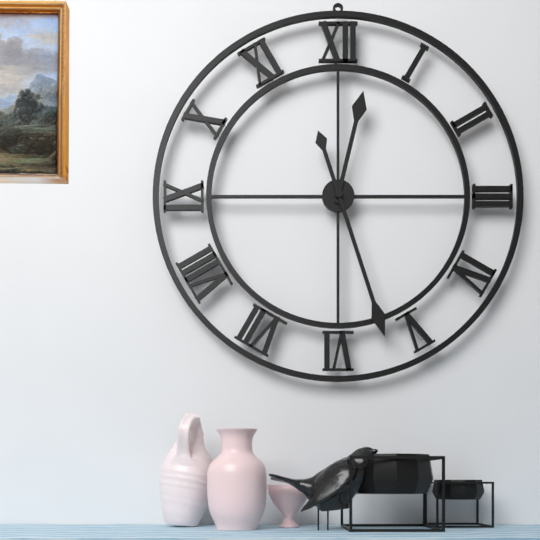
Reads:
{"hour": 12, "minute": 27}
